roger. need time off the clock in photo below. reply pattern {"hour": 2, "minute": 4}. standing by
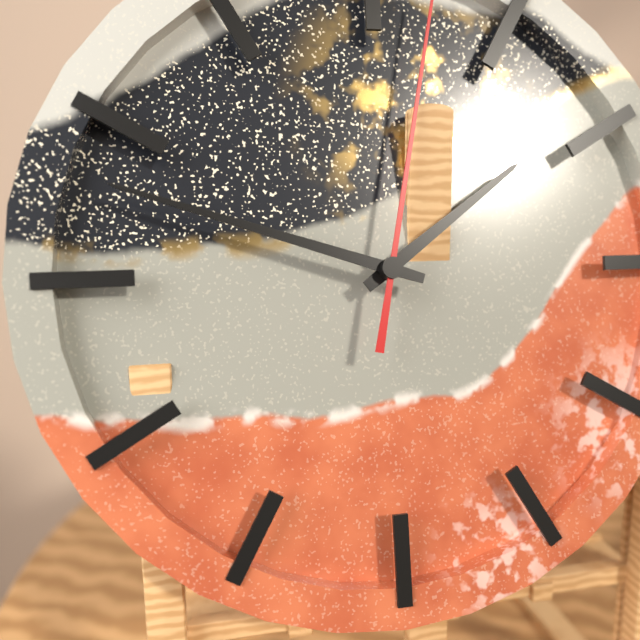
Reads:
{"hour": 1, "minute": 48}
